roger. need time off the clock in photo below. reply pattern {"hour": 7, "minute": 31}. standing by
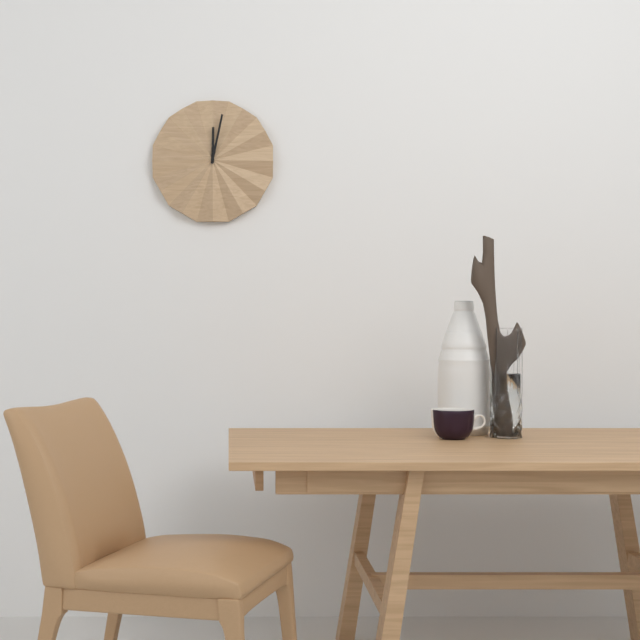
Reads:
{"hour": 12, "minute": 2}
